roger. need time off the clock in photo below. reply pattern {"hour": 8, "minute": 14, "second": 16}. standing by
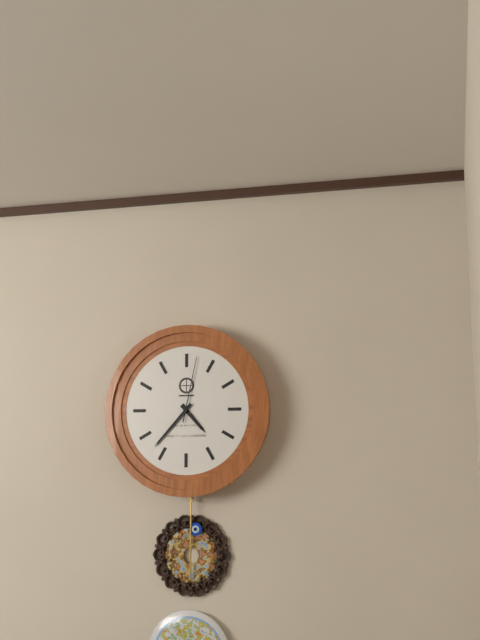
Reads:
{"hour": 4, "minute": 37, "second": 2}
